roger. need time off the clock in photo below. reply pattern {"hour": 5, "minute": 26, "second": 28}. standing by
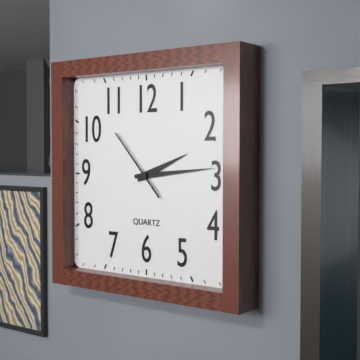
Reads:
{"hour": 2, "minute": 14, "second": 53}
